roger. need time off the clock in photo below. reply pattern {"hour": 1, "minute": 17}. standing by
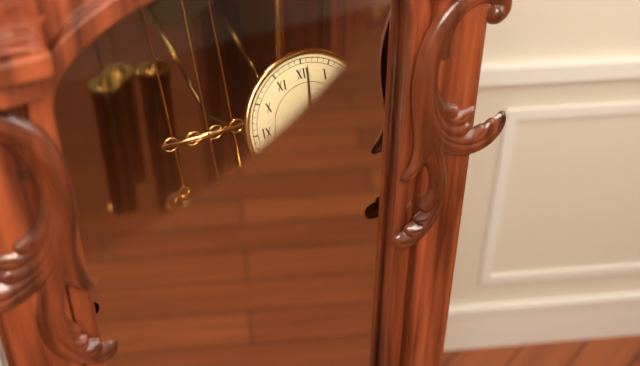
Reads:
{"hour": 7, "minute": 1}
